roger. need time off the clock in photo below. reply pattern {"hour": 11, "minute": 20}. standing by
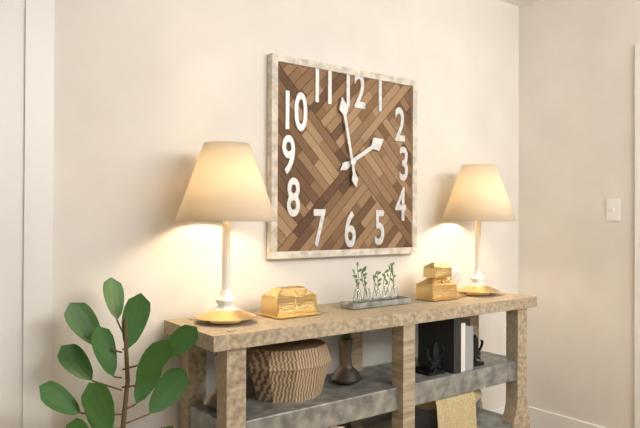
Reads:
{"hour": 1, "minute": 58}
